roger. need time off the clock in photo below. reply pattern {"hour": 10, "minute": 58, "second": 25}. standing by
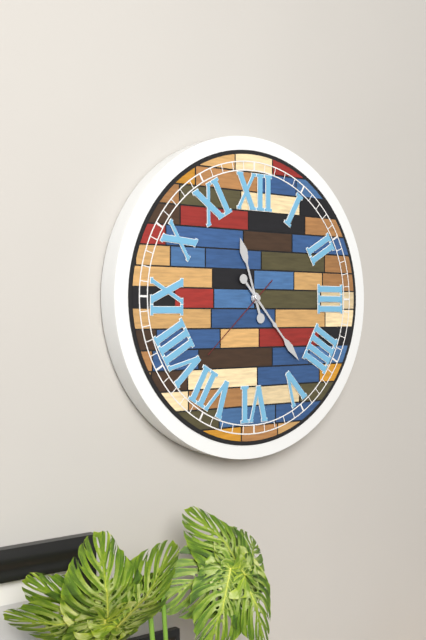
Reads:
{"hour": 11, "minute": 23, "second": 38}
